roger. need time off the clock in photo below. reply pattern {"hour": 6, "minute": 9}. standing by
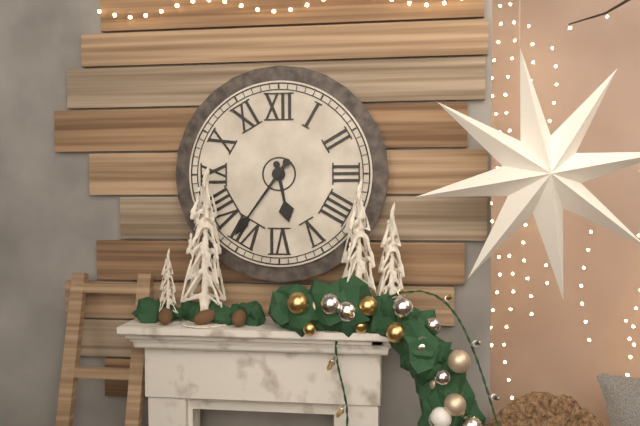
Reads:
{"hour": 5, "minute": 36}
